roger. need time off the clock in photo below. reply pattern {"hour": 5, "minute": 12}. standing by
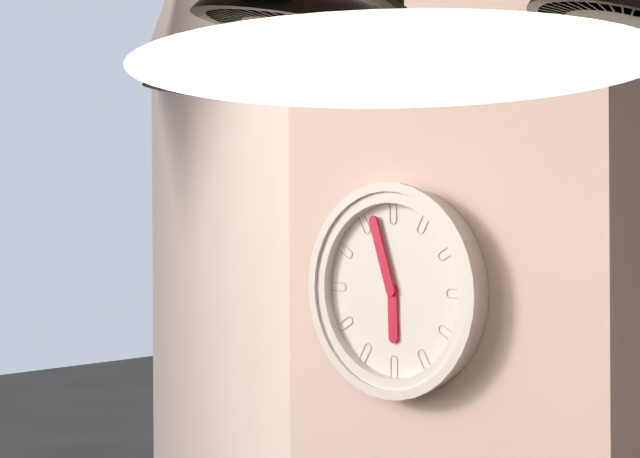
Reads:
{"hour": 5, "minute": 57}
